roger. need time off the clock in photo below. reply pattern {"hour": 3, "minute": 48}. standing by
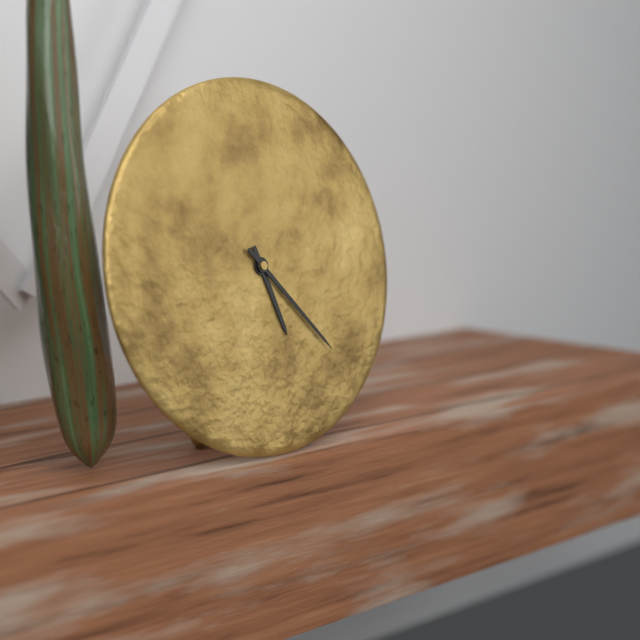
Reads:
{"hour": 5, "minute": 23}
